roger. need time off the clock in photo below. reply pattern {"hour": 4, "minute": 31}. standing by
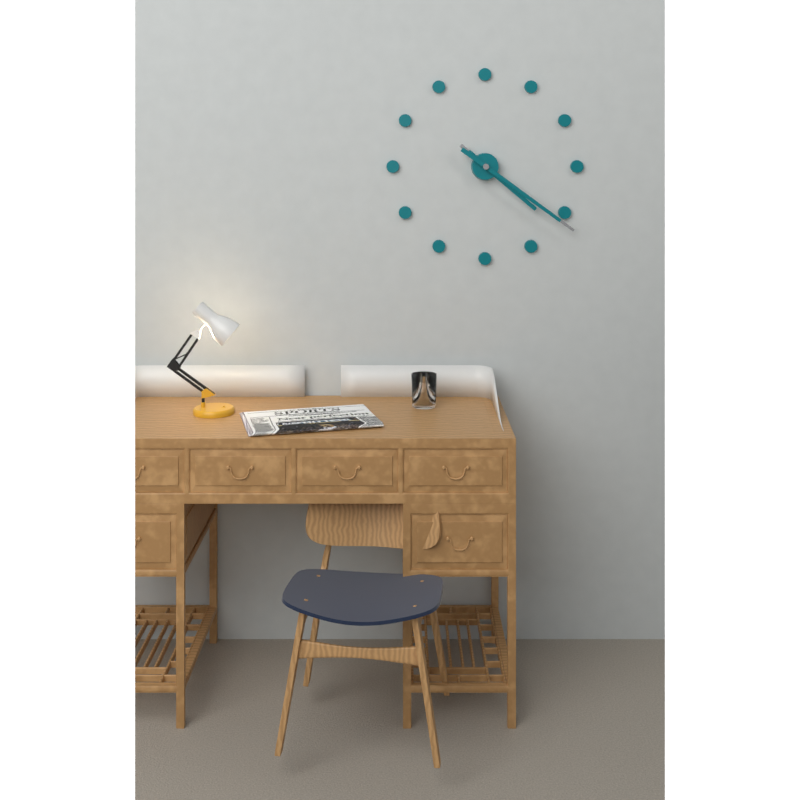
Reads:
{"hour": 4, "minute": 21}
